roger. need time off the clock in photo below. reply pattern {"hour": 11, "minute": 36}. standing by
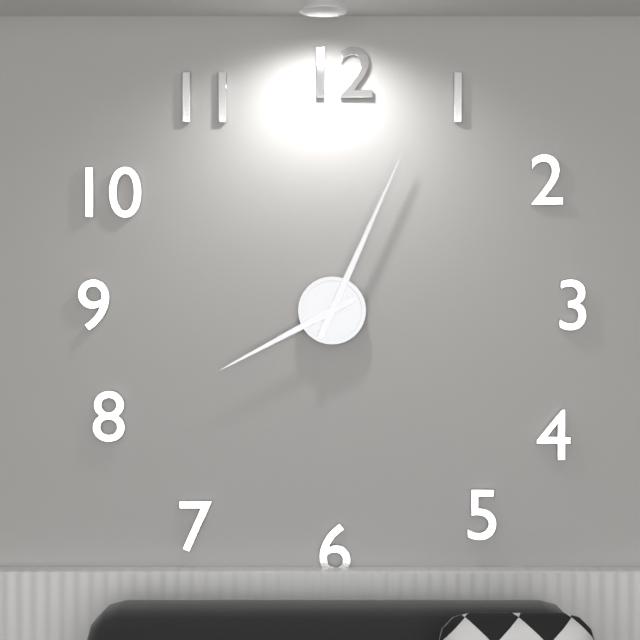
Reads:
{"hour": 8, "minute": 4}
